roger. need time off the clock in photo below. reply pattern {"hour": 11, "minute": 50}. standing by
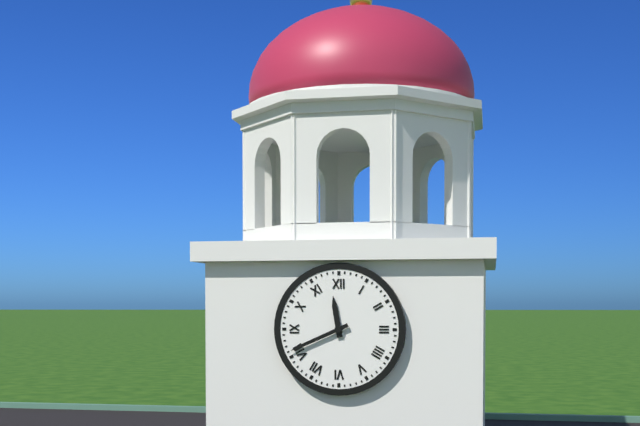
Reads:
{"hour": 11, "minute": 41}
